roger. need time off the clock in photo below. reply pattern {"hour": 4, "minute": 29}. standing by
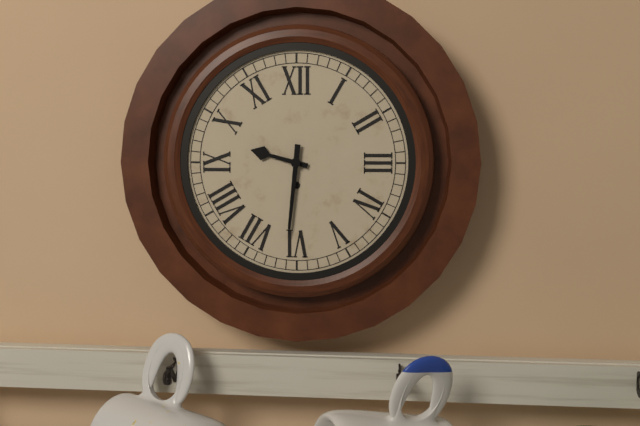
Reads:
{"hour": 9, "minute": 31}
